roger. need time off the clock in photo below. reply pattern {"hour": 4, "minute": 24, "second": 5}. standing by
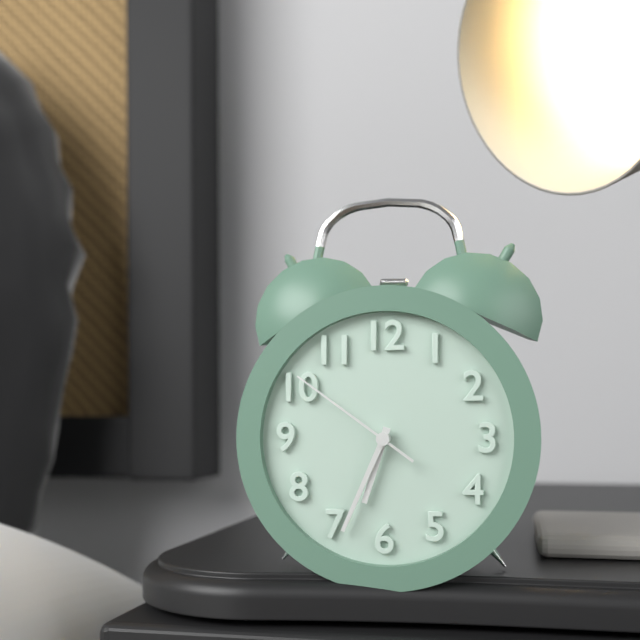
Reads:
{"hour": 6, "minute": 34, "second": 51}
